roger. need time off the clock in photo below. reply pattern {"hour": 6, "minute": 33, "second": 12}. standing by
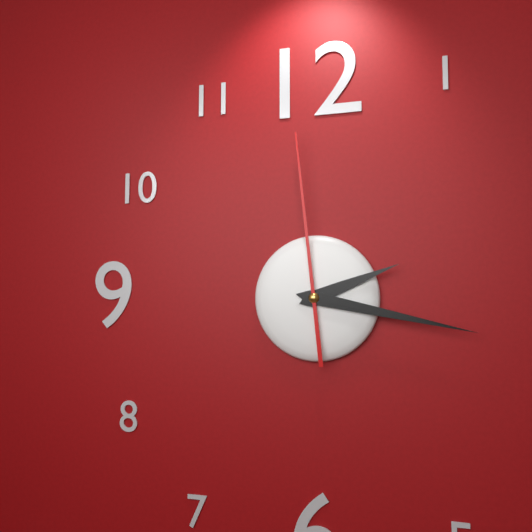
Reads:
{"hour": 2, "minute": 17, "second": 59}
